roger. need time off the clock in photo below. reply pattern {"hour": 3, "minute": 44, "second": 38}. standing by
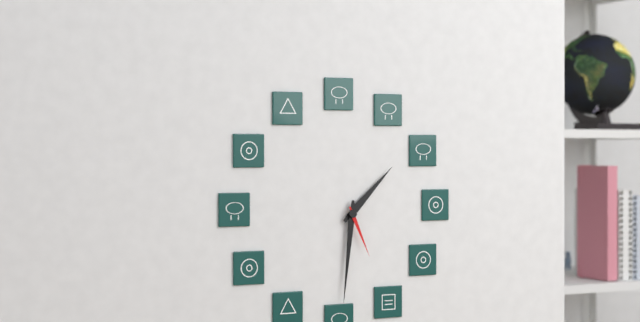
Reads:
{"hour": 1, "minute": 31, "second": 26}
